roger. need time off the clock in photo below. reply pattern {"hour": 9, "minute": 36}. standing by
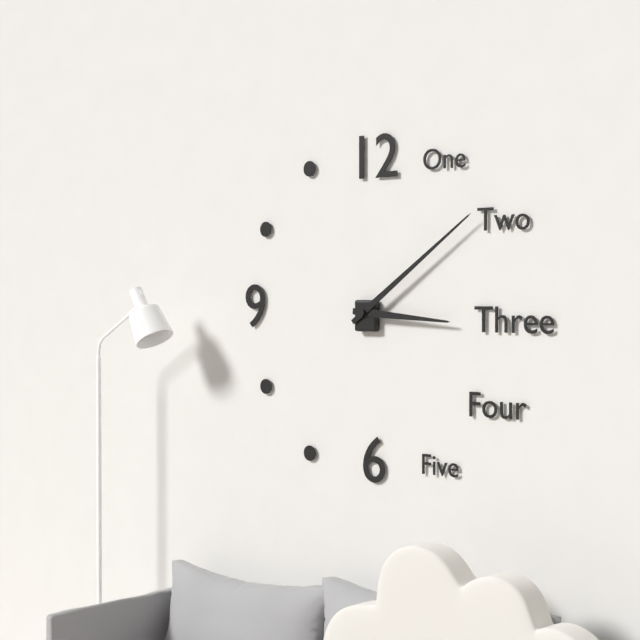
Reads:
{"hour": 3, "minute": 9}
